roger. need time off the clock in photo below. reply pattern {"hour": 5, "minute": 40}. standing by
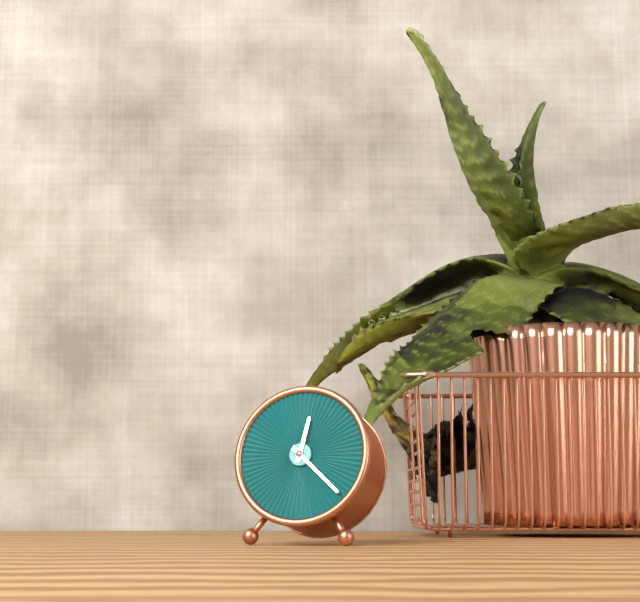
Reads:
{"hour": 12, "minute": 22}
